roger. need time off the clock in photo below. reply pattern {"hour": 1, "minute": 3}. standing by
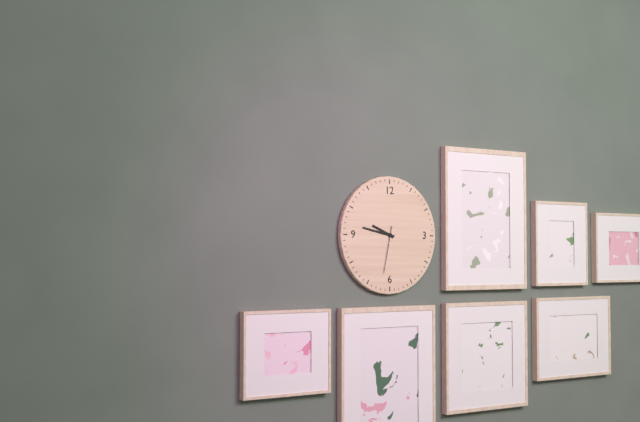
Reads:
{"hour": 9, "minute": 47}
